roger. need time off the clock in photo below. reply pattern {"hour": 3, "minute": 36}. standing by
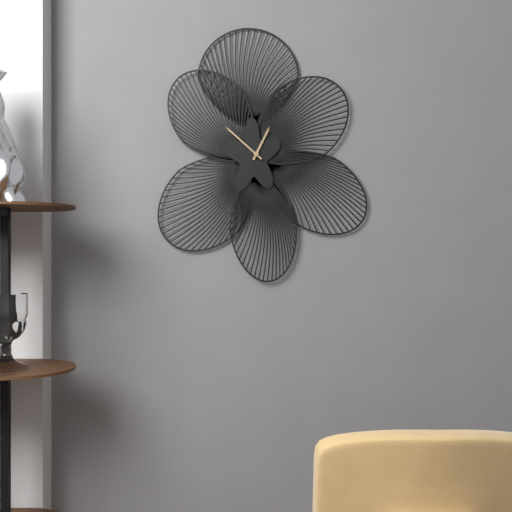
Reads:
{"hour": 12, "minute": 52}
